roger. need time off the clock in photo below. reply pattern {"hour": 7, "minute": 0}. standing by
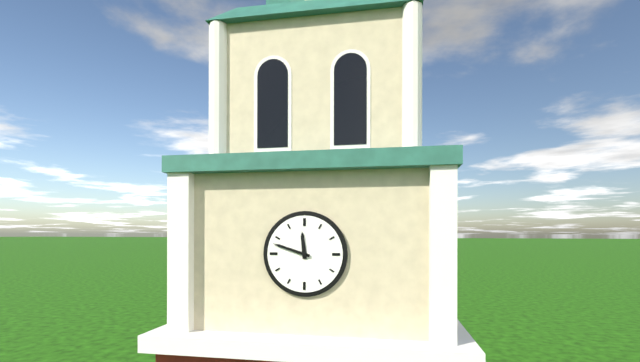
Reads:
{"hour": 11, "minute": 48}
